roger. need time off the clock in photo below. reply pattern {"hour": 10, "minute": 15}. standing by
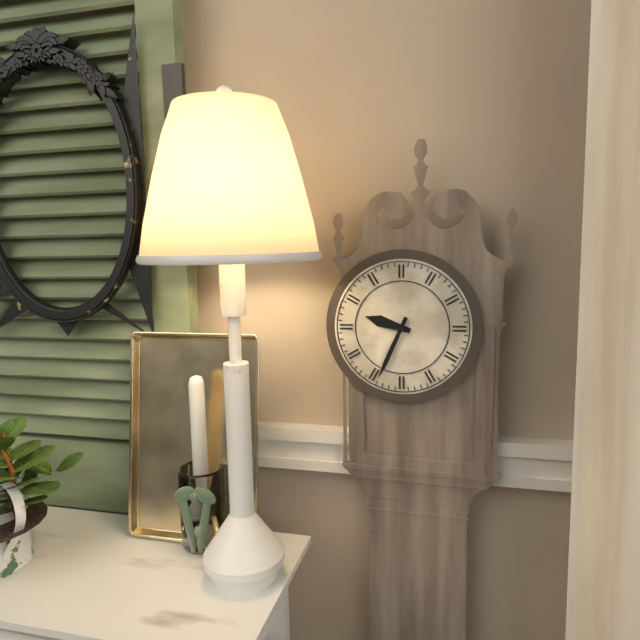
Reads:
{"hour": 9, "minute": 34}
